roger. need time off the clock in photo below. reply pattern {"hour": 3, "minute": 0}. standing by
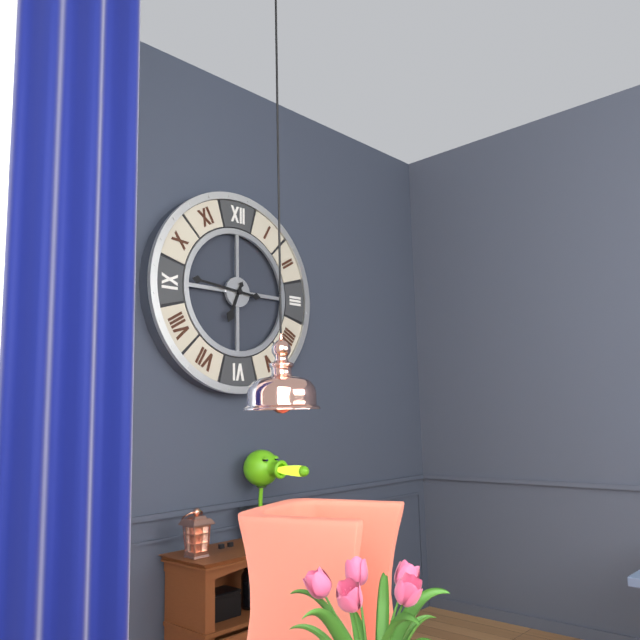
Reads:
{"hour": 6, "minute": 46}
